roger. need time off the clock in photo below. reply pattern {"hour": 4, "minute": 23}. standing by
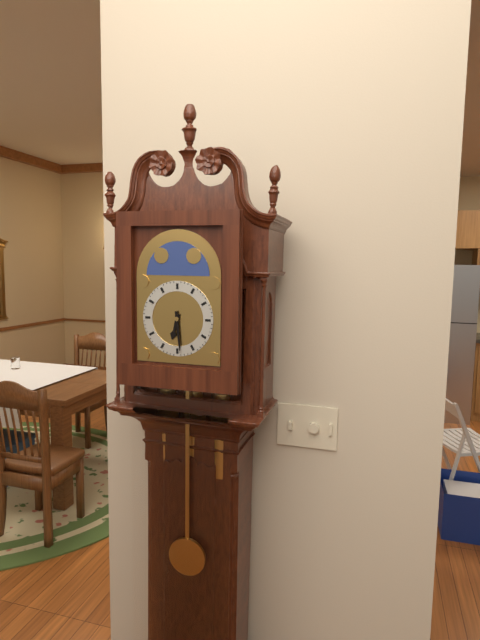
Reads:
{"hour": 6, "minute": 29}
